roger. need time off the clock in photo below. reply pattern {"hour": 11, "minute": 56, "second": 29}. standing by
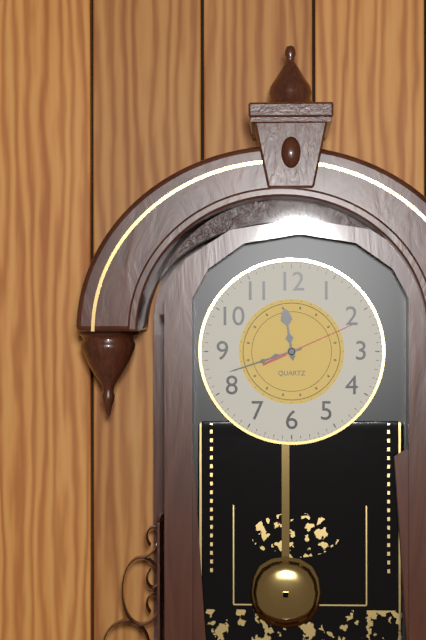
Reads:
{"hour": 11, "minute": 42, "second": 11}
